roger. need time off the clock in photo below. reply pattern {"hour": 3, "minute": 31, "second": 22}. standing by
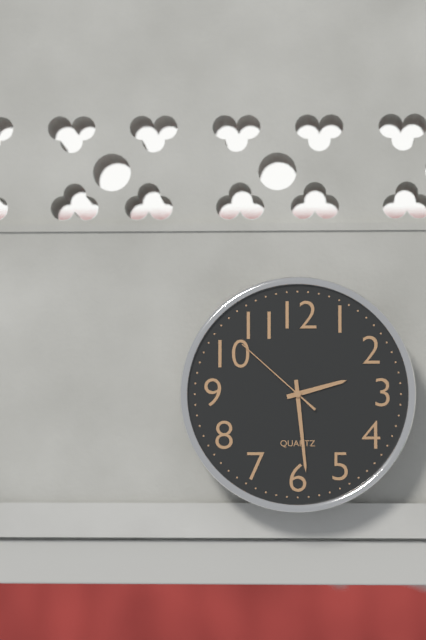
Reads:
{"hour": 2, "minute": 29, "second": 52}
